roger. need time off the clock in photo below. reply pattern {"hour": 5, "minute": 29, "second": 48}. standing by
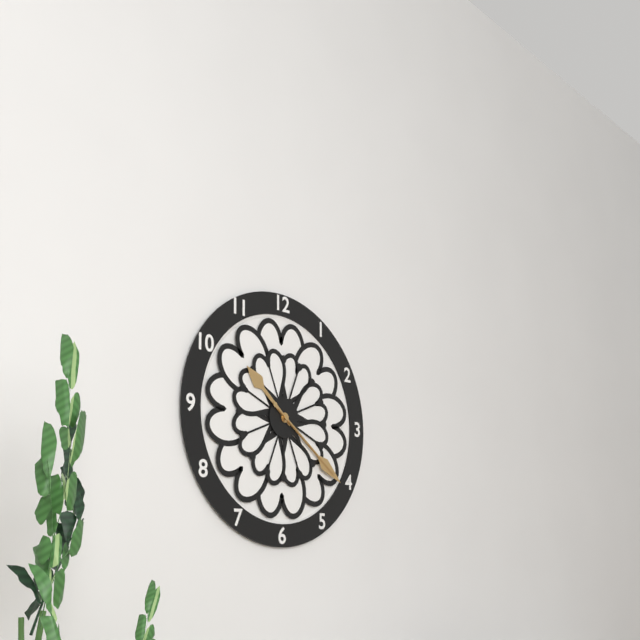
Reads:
{"hour": 10, "minute": 21, "second": 21}
